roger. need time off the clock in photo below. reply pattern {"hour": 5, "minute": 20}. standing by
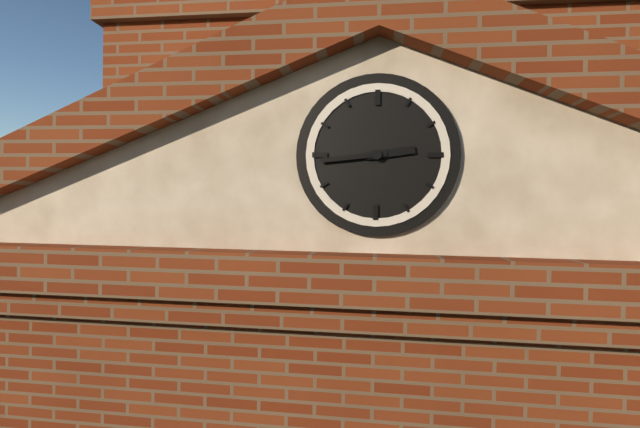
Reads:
{"hour": 2, "minute": 44}
